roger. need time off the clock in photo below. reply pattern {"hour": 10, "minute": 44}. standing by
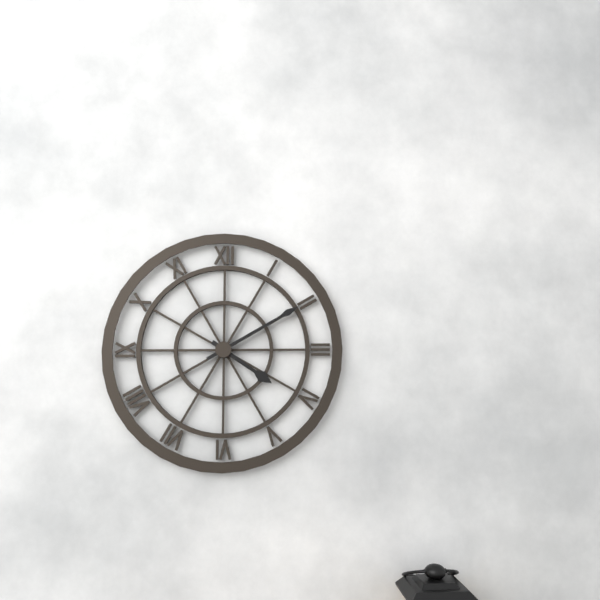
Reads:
{"hour": 4, "minute": 10}
